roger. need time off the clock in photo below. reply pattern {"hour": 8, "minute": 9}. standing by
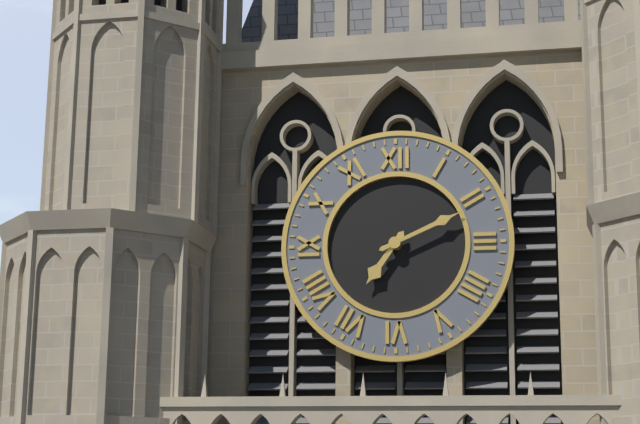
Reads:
{"hour": 7, "minute": 11}
